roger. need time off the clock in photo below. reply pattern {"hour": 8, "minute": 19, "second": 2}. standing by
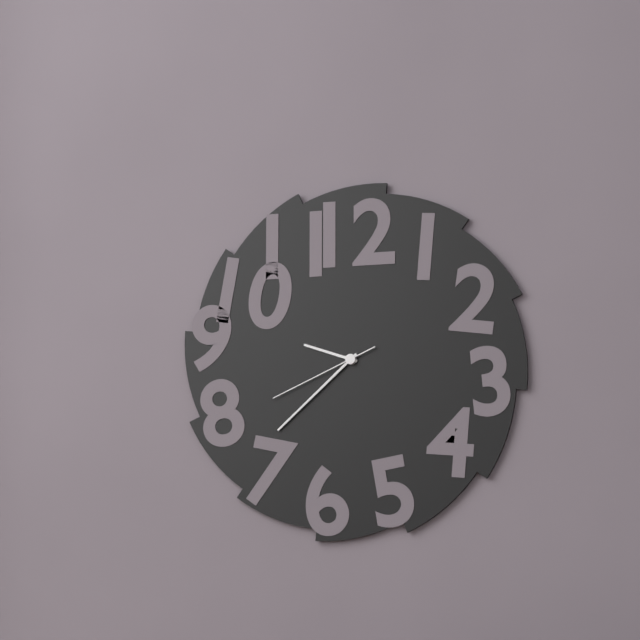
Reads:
{"hour": 9, "minute": 38, "second": 41}
